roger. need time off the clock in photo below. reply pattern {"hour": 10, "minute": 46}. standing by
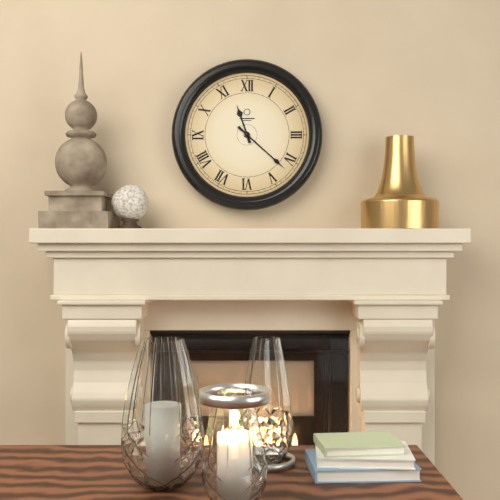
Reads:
{"hour": 11, "minute": 22}
